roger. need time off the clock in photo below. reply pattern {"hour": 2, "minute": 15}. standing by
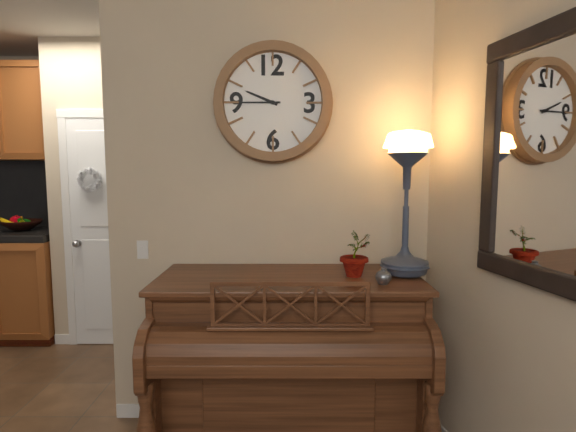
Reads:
{"hour": 9, "minute": 45}
